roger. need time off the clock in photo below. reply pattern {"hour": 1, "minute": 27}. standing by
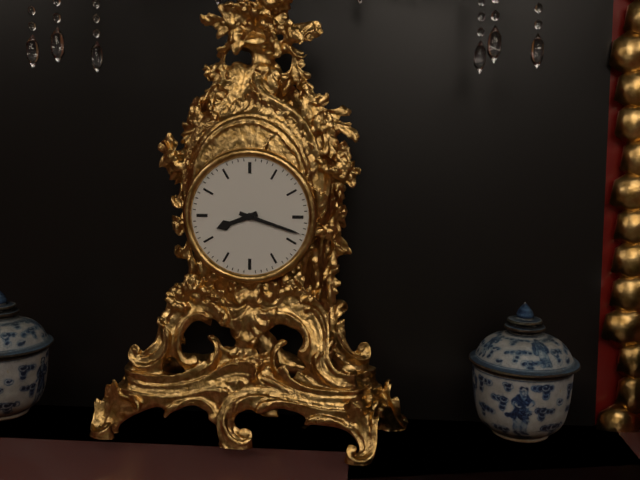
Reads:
{"hour": 8, "minute": 18}
